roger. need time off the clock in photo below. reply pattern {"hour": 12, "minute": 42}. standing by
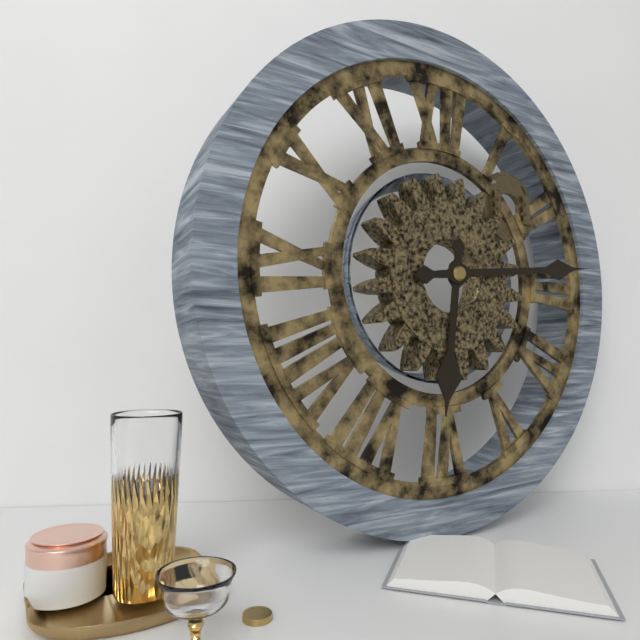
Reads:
{"hour": 6, "minute": 14}
